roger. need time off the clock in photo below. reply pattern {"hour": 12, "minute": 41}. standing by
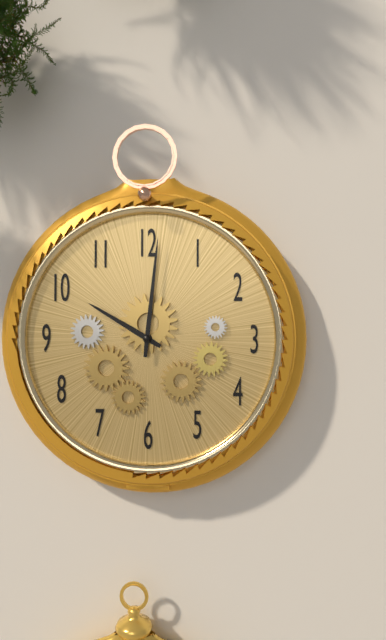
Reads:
{"hour": 10, "minute": 1}
